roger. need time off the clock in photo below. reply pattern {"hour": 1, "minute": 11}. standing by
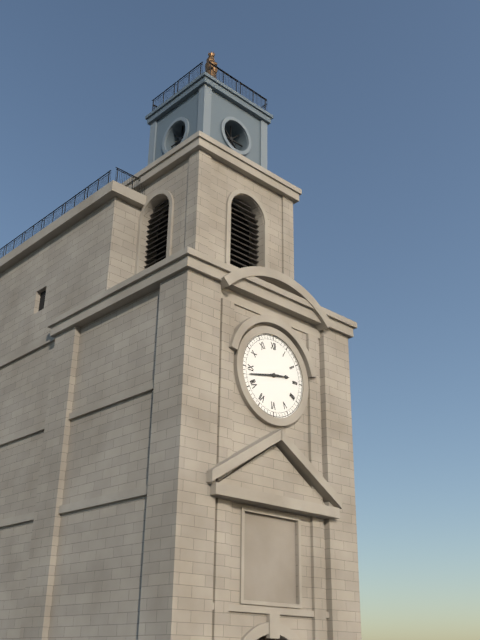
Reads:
{"hour": 2, "minute": 43}
